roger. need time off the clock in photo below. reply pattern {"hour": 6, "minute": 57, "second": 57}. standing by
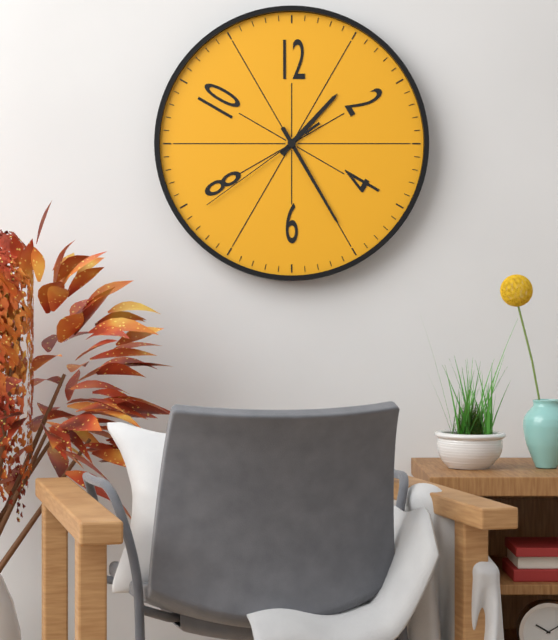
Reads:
{"hour": 1, "minute": 25, "second": 39}
